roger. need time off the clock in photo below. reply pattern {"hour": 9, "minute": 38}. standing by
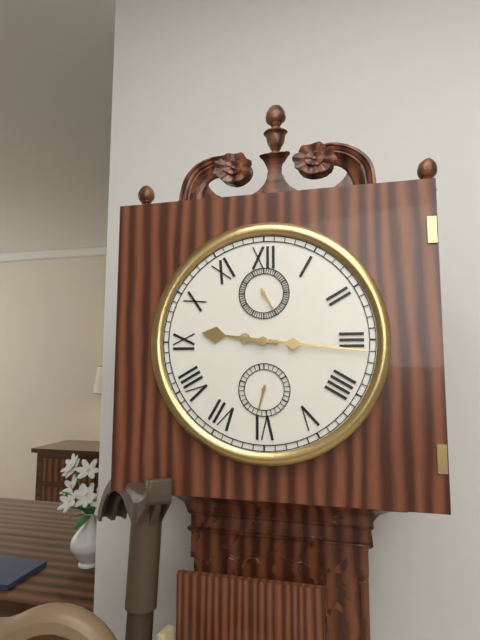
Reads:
{"hour": 9, "minute": 16}
